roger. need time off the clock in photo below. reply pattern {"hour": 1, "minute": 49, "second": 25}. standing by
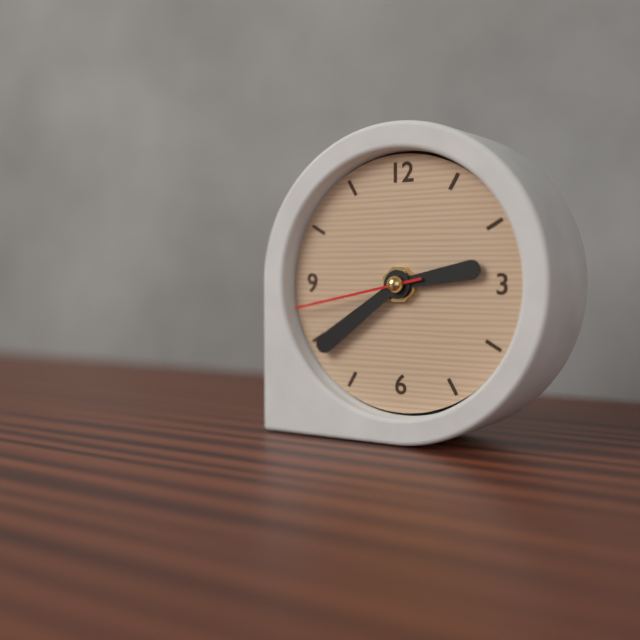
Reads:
{"hour": 2, "minute": 39, "second": 43}
